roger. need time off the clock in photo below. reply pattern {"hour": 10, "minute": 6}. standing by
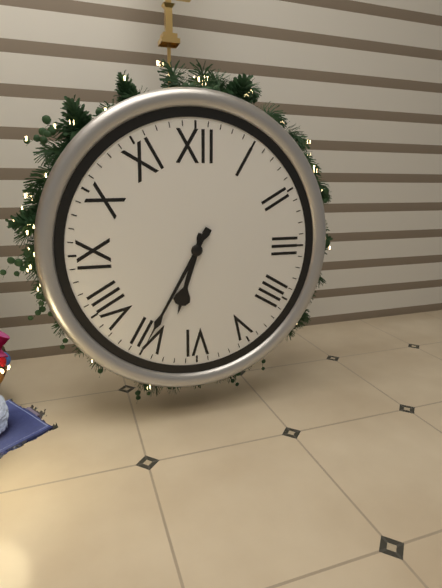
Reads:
{"hour": 6, "minute": 35}
